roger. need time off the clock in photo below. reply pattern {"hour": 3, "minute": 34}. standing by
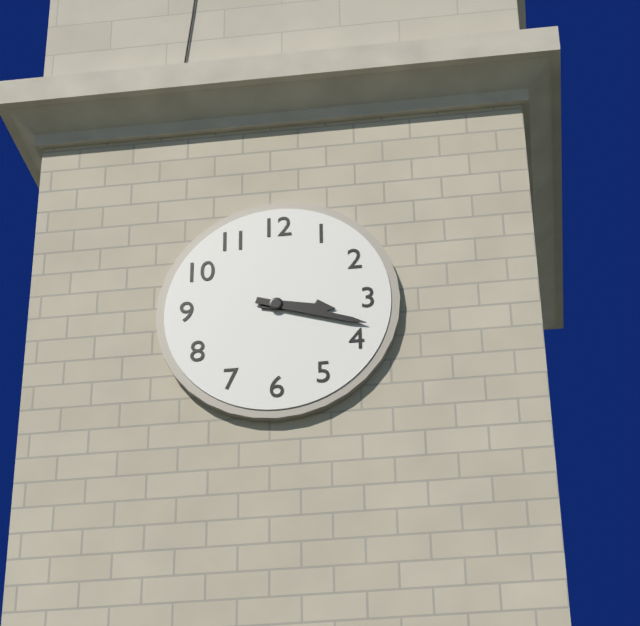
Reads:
{"hour": 3, "minute": 18}
